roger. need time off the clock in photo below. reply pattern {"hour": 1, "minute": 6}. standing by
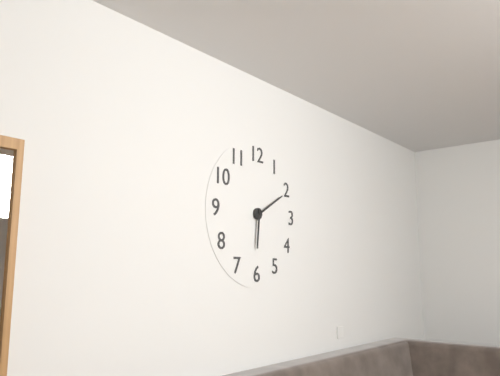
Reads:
{"hour": 6, "minute": 10}
